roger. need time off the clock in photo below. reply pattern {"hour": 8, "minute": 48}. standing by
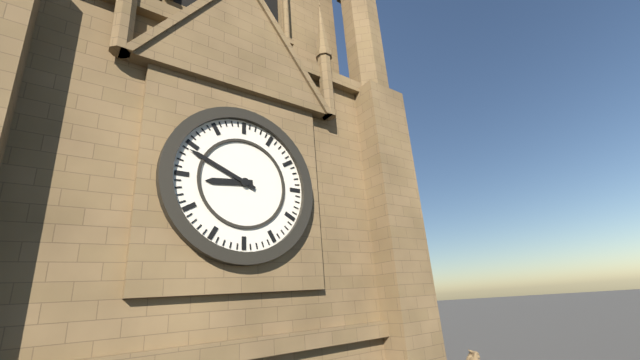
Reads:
{"hour": 8, "minute": 49}
